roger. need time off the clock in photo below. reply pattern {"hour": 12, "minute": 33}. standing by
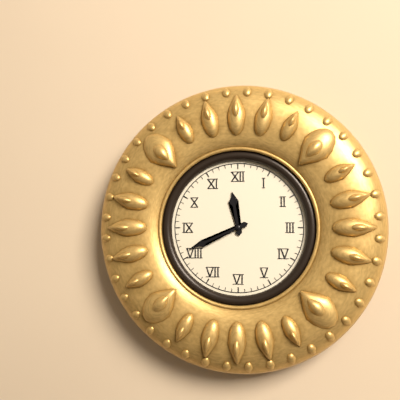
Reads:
{"hour": 11, "minute": 41}
